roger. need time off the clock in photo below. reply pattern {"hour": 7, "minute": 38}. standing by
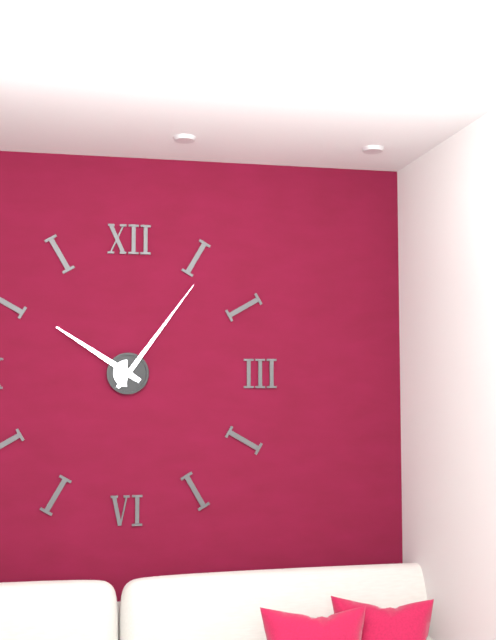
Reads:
{"hour": 10, "minute": 6}
